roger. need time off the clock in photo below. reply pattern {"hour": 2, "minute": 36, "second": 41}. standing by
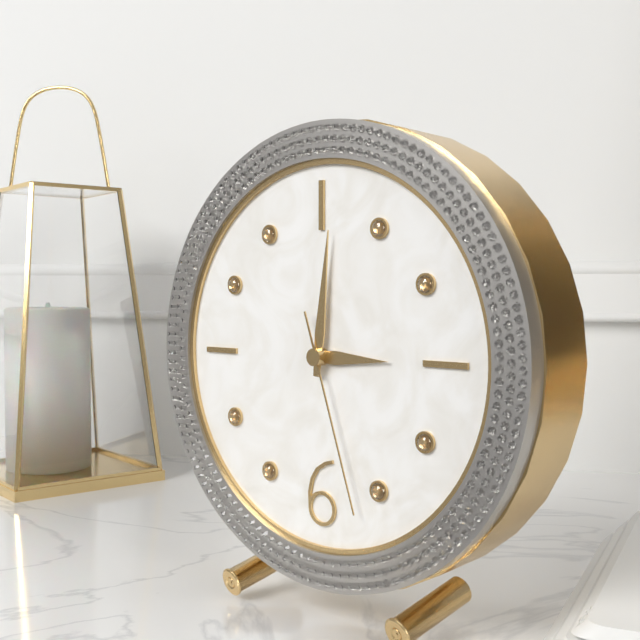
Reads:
{"hour": 3, "minute": 1, "second": 27}
